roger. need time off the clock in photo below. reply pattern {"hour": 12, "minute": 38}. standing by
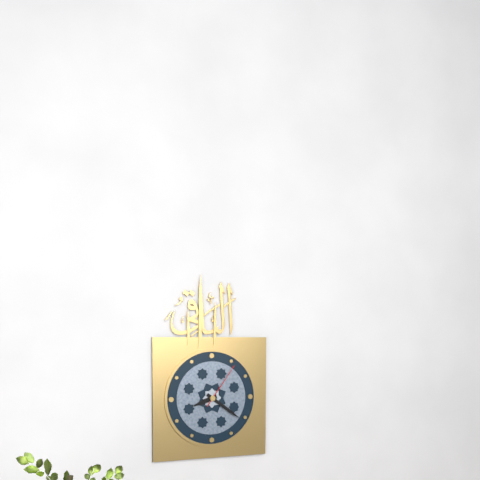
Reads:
{"hour": 8, "minute": 21}
